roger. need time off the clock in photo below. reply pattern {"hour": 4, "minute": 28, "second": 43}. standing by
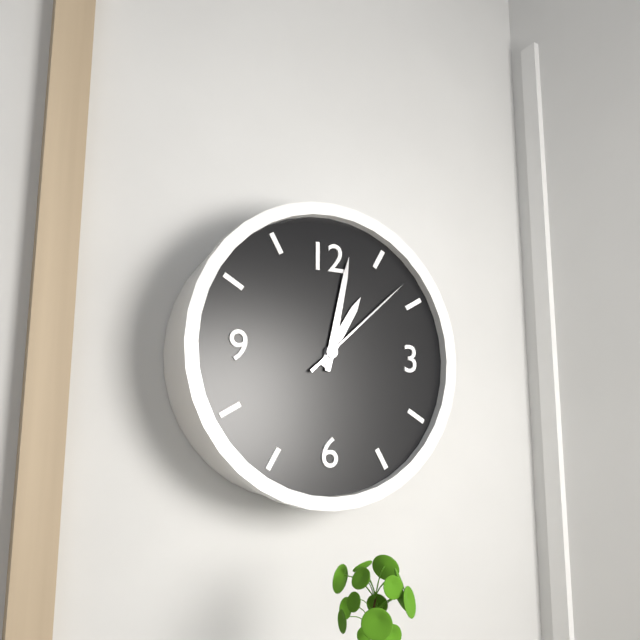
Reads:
{"hour": 1, "minute": 2, "second": 8}
